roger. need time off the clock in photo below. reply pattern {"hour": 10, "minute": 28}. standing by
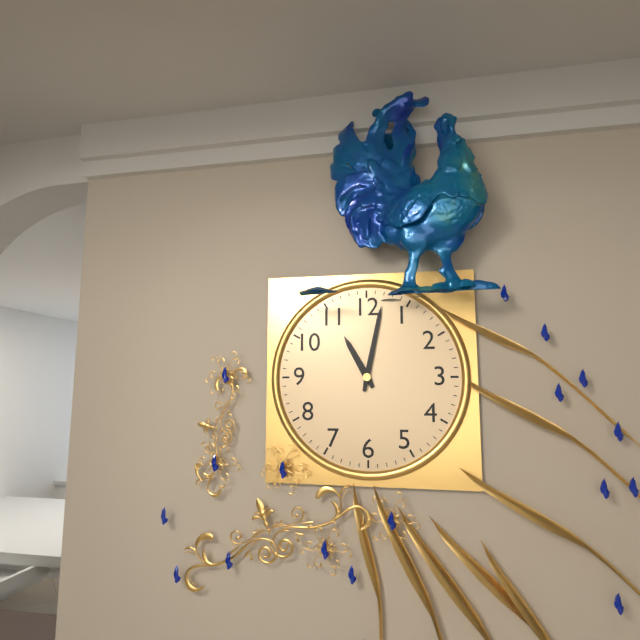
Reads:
{"hour": 11, "minute": 2}
